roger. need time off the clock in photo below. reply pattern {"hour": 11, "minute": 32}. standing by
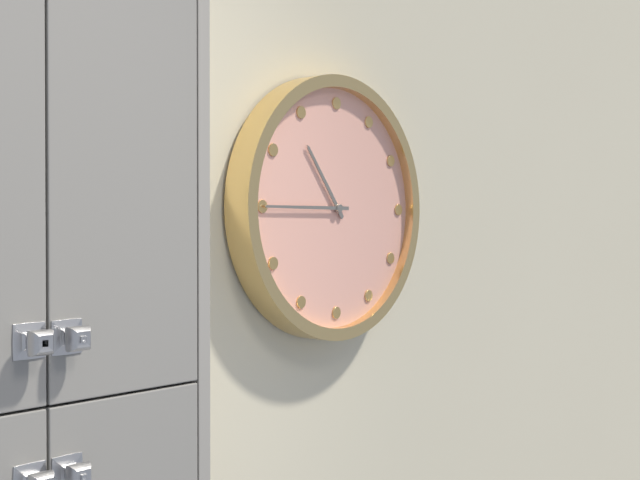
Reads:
{"hour": 10, "minute": 45}
